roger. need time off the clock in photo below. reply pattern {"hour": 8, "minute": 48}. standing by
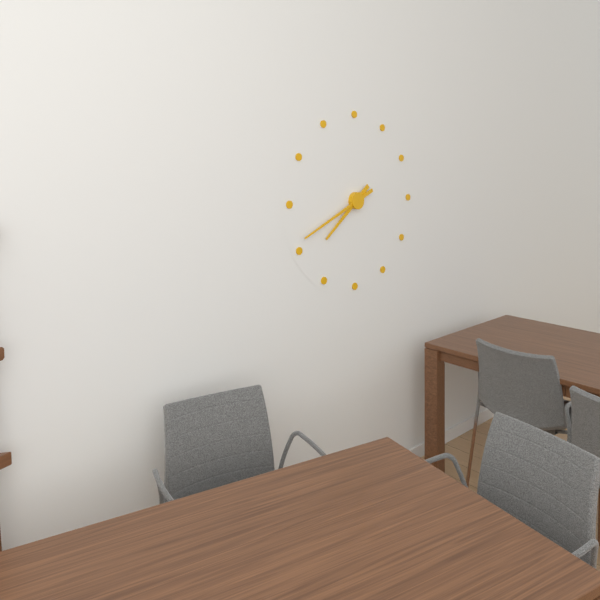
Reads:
{"hour": 7, "minute": 41}
